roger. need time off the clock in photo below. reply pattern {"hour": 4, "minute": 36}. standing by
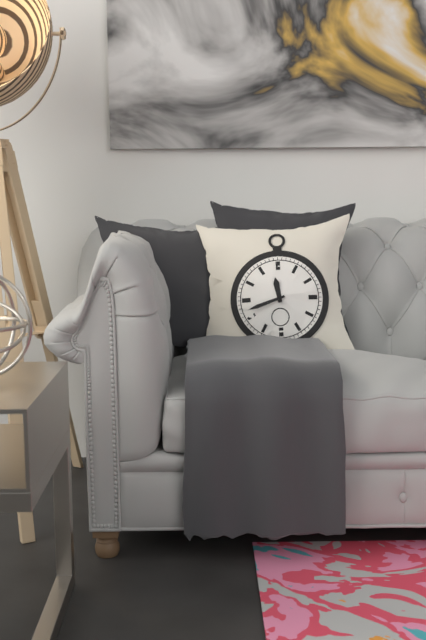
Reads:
{"hour": 11, "minute": 42}
